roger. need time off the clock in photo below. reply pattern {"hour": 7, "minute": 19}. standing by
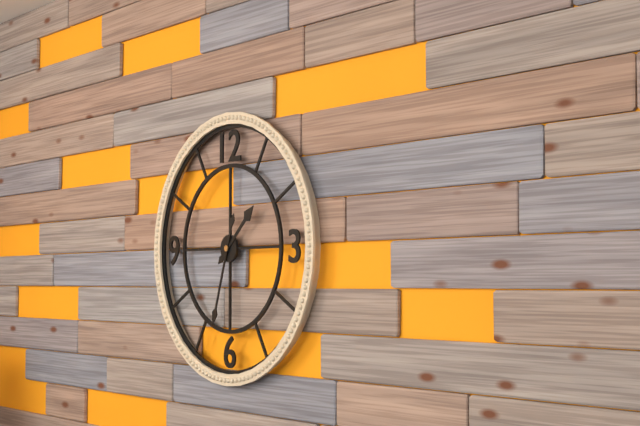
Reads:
{"hour": 1, "minute": 33}
